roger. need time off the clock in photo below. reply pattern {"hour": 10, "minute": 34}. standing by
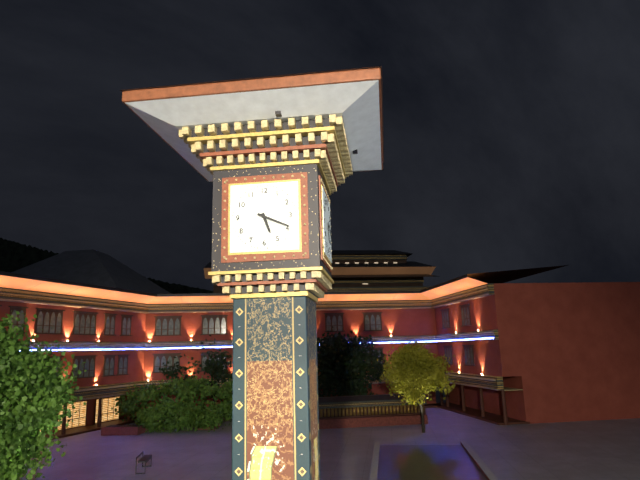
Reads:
{"hour": 5, "minute": 19}
